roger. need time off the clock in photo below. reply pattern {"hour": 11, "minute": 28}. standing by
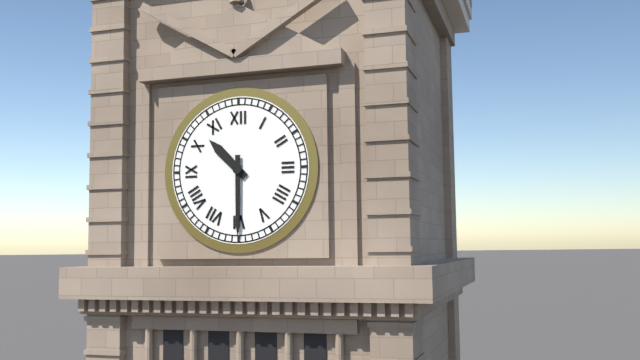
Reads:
{"hour": 10, "minute": 30}
